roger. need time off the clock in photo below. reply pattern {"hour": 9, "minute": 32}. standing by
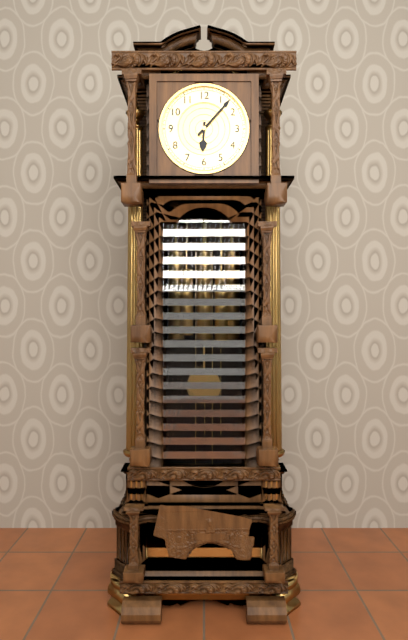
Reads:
{"hour": 6, "minute": 7}
